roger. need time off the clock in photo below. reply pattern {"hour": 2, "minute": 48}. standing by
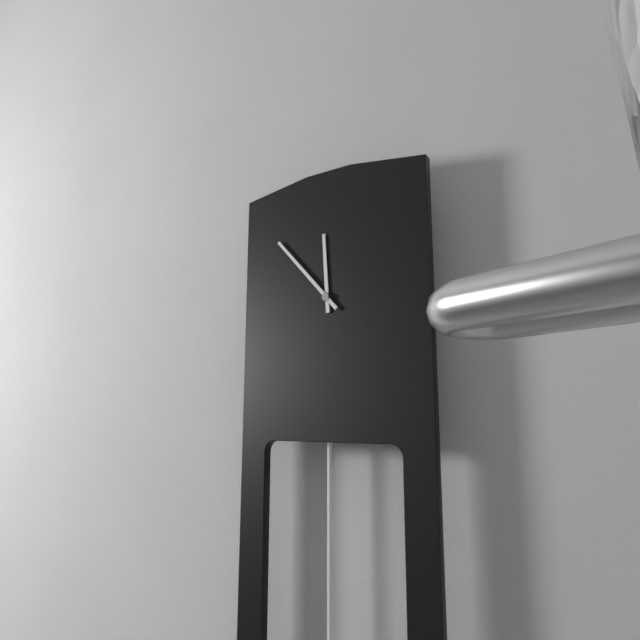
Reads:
{"hour": 11, "minute": 53}
